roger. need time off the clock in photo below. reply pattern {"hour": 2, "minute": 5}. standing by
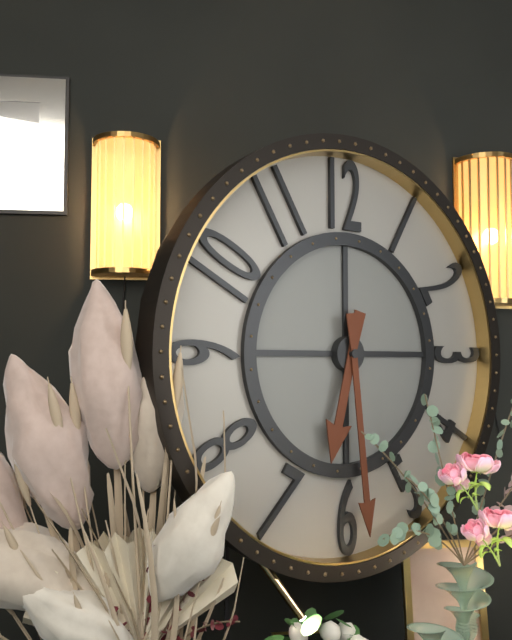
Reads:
{"hour": 6, "minute": 29}
